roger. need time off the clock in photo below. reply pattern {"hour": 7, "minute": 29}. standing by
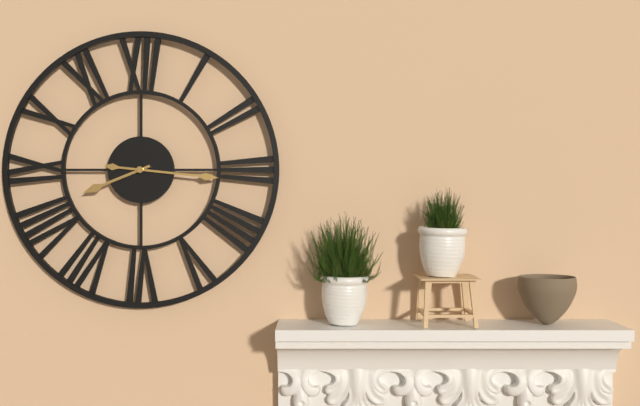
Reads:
{"hour": 8, "minute": 16}
